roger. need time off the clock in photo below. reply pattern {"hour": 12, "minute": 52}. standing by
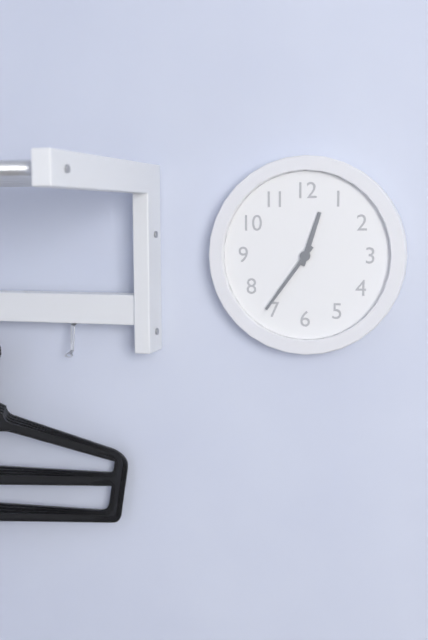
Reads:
{"hour": 12, "minute": 36}
